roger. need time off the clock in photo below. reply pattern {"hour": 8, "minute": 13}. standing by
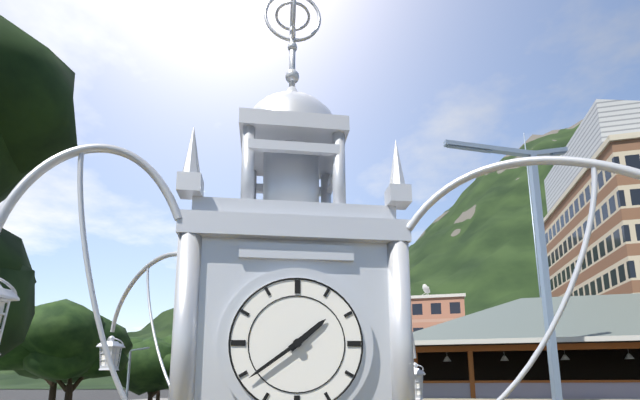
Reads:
{"hour": 1, "minute": 39}
